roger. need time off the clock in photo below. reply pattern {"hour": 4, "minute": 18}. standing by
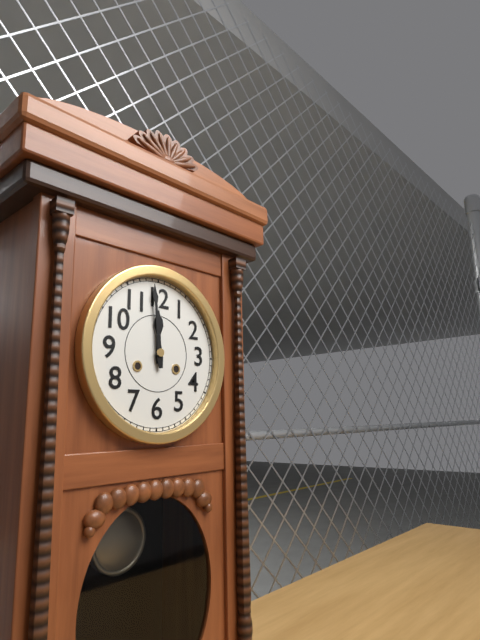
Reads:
{"hour": 11, "minute": 59}
